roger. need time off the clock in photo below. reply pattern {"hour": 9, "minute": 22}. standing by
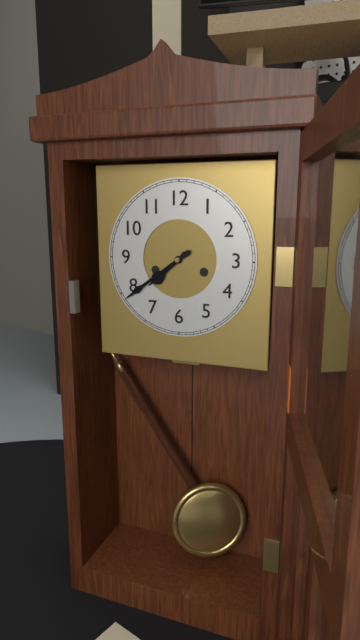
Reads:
{"hour": 7, "minute": 39}
